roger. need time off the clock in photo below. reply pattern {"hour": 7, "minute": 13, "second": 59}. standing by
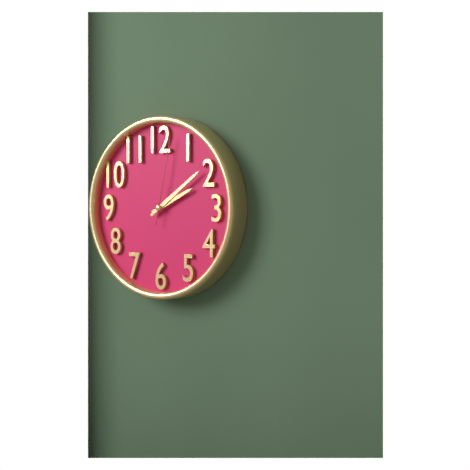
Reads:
{"hour": 2, "minute": 9, "second": 2}
